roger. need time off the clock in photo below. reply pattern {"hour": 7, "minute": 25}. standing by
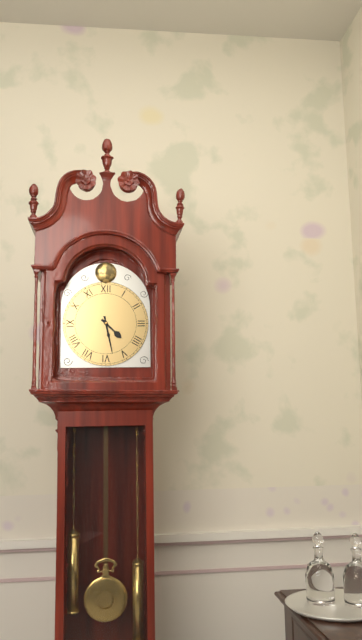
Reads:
{"hour": 4, "minute": 28}
